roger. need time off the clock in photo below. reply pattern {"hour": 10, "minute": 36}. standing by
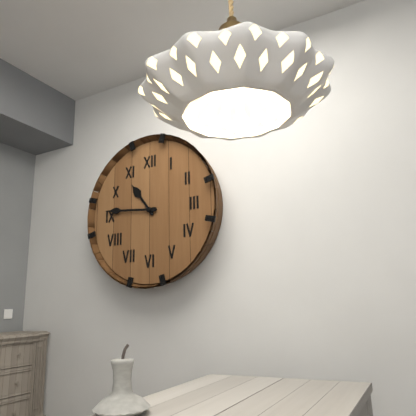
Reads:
{"hour": 10, "minute": 46}
